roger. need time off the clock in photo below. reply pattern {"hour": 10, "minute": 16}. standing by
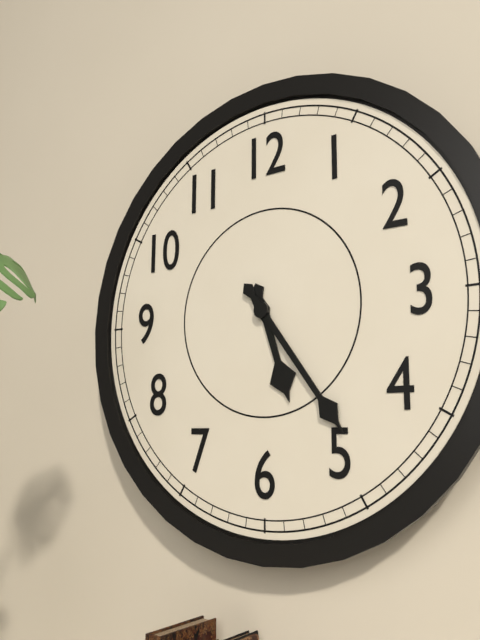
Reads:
{"hour": 5, "minute": 24}
